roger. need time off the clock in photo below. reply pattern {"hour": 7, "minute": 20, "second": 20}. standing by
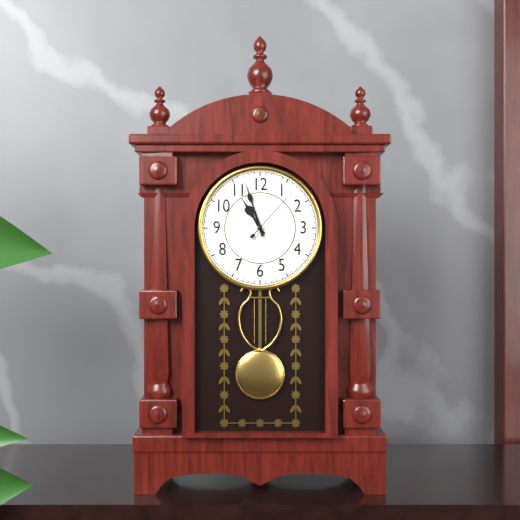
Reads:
{"hour": 10, "minute": 57, "second": 7}
